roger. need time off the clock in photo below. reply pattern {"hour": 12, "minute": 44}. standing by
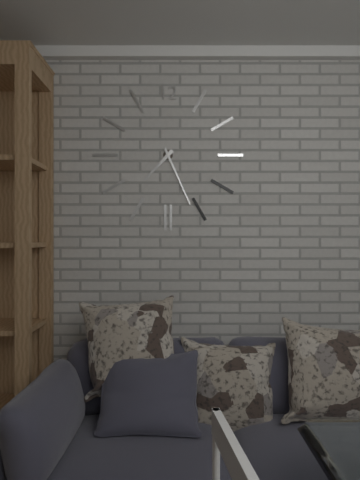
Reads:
{"hour": 7, "minute": 26}
